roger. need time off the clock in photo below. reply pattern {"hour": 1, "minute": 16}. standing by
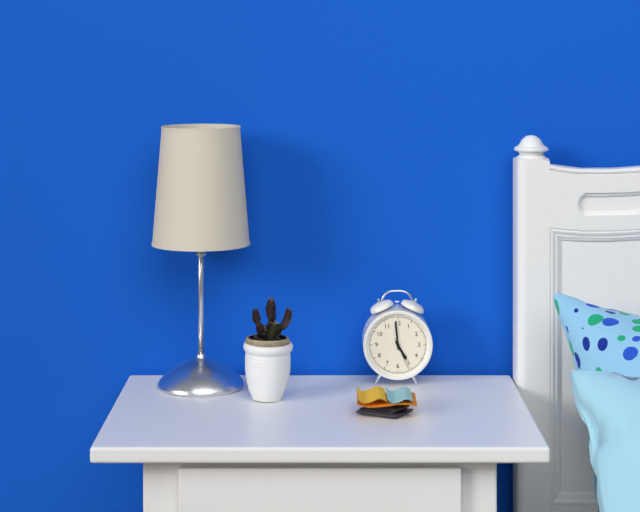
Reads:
{"hour": 4, "minute": 59}
